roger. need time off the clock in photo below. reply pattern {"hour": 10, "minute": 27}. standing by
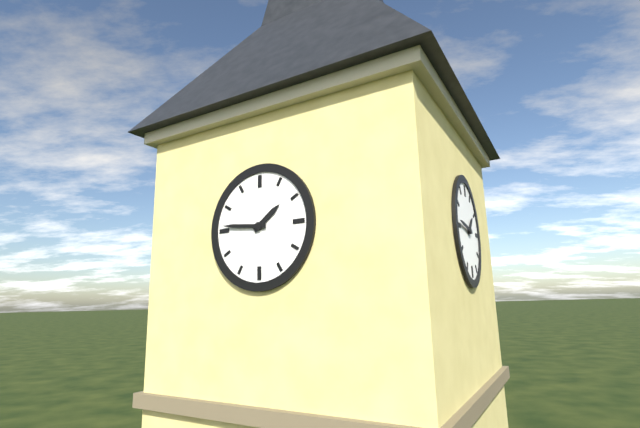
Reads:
{"hour": 1, "minute": 46}
